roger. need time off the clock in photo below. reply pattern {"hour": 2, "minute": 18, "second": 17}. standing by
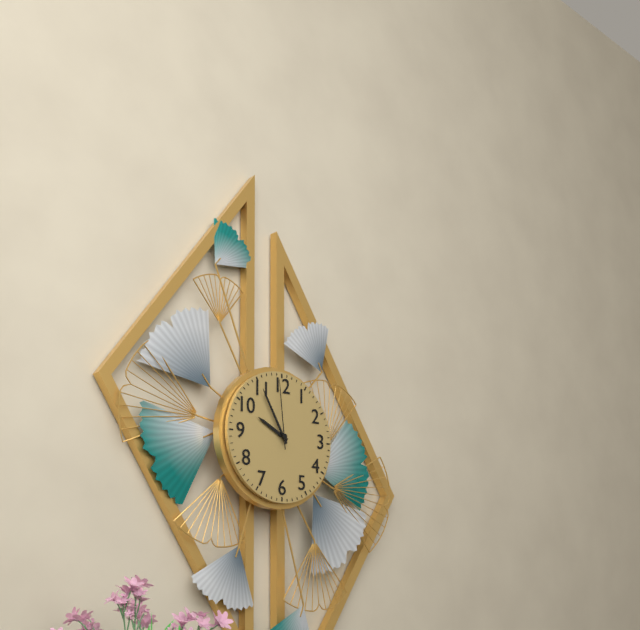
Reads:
{"hour": 9, "minute": 55, "second": 59}
